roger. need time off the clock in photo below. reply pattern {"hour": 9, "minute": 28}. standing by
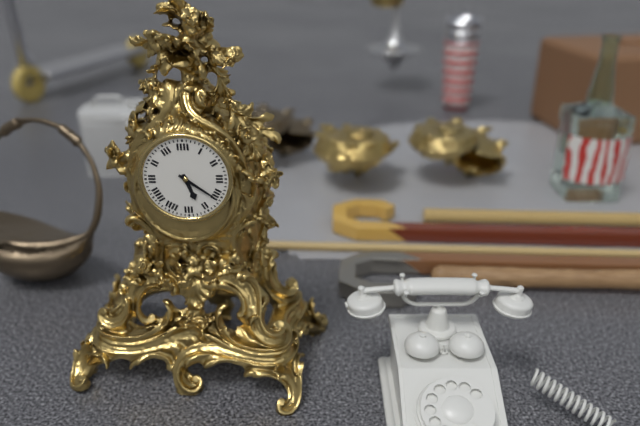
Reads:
{"hour": 5, "minute": 21}
